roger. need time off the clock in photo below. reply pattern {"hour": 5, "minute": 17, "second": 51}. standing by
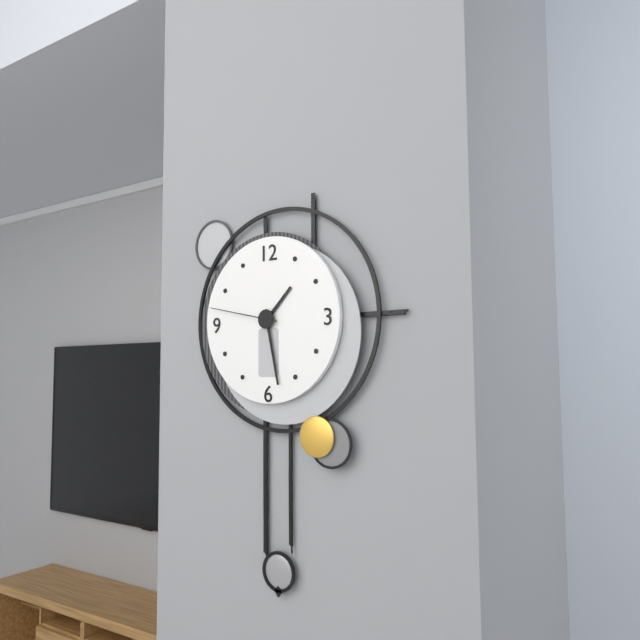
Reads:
{"hour": 1, "minute": 28, "second": 47}
